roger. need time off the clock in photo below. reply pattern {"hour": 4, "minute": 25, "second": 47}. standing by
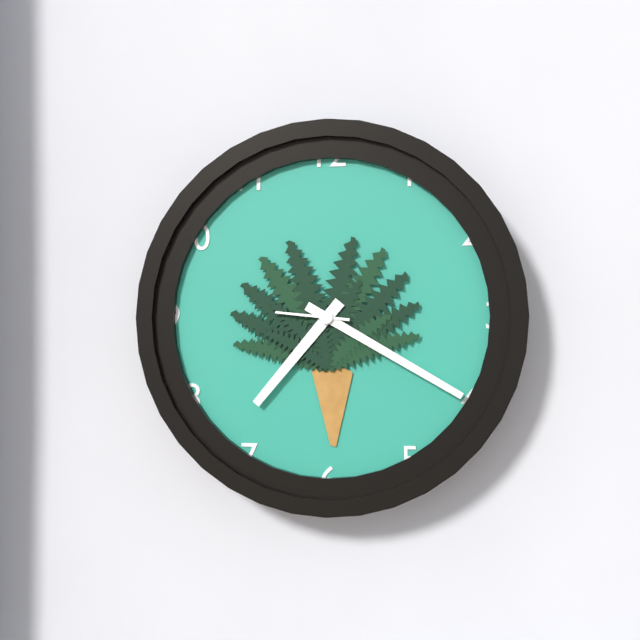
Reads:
{"hour": 7, "minute": 20, "second": 46}
